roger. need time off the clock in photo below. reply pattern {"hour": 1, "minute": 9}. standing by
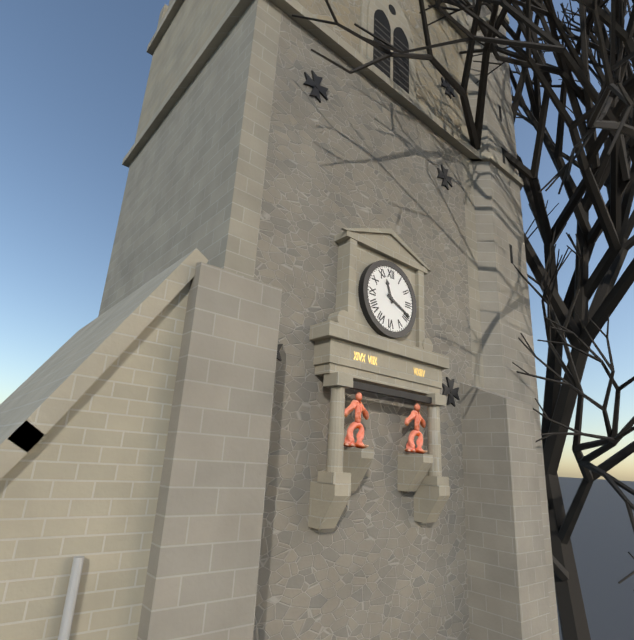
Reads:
{"hour": 11, "minute": 19}
